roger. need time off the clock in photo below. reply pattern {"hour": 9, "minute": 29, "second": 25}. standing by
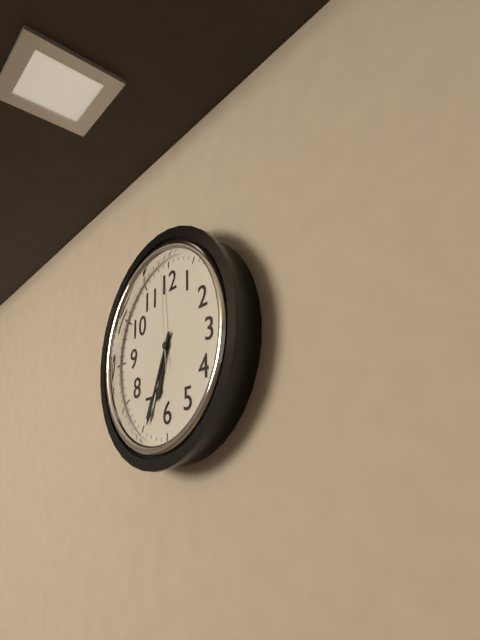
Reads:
{"hour": 6, "minute": 34, "second": 59}
